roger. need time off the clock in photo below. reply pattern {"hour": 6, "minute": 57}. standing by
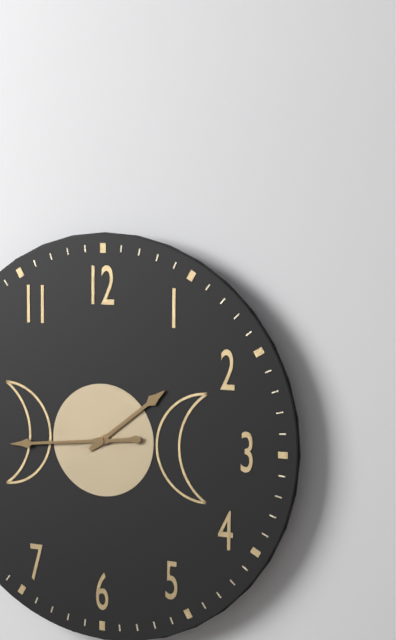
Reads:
{"hour": 1, "minute": 44}
